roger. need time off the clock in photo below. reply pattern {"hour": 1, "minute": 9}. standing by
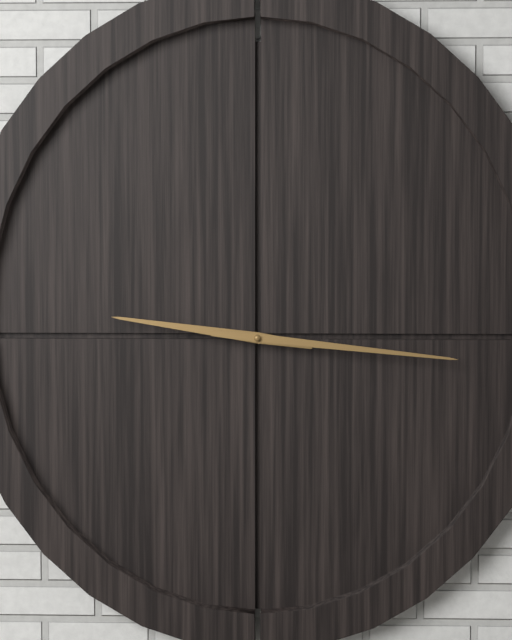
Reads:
{"hour": 9, "minute": 16}
